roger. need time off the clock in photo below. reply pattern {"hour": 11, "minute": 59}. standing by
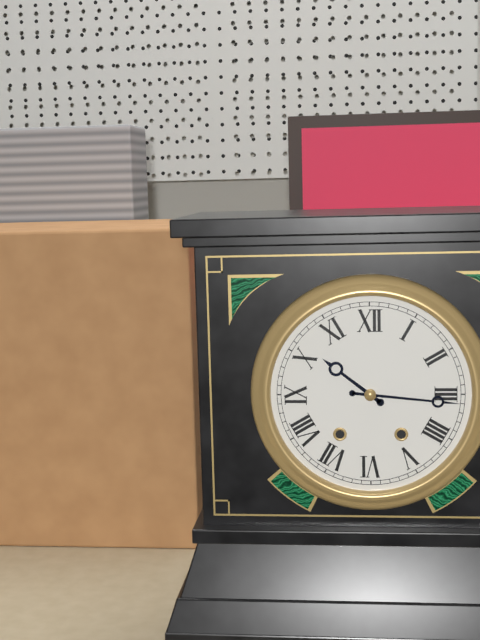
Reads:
{"hour": 10, "minute": 16}
